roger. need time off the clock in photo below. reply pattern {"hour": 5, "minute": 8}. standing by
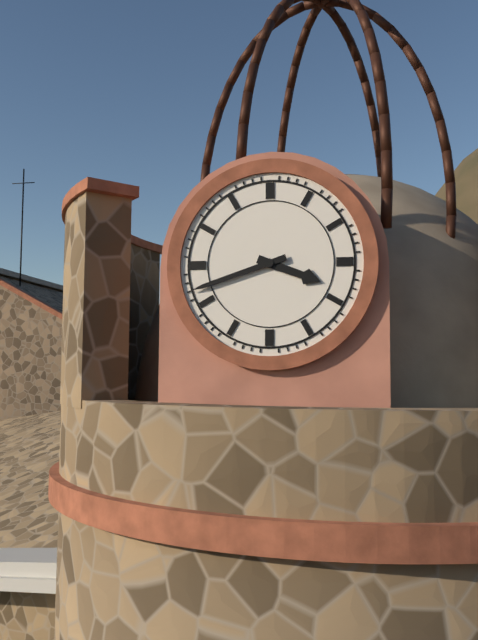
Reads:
{"hour": 3, "minute": 42}
